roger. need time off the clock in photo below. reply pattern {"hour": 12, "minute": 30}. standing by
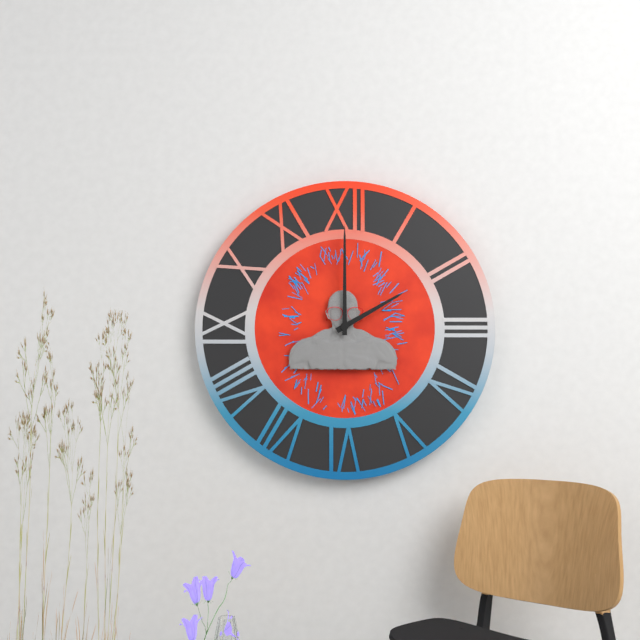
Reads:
{"hour": 2, "minute": 0}
